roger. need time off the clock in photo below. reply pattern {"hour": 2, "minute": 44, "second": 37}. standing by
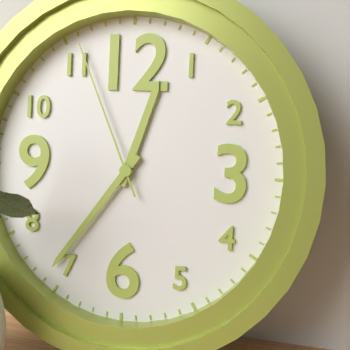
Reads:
{"hour": 12, "minute": 36, "second": 56}
